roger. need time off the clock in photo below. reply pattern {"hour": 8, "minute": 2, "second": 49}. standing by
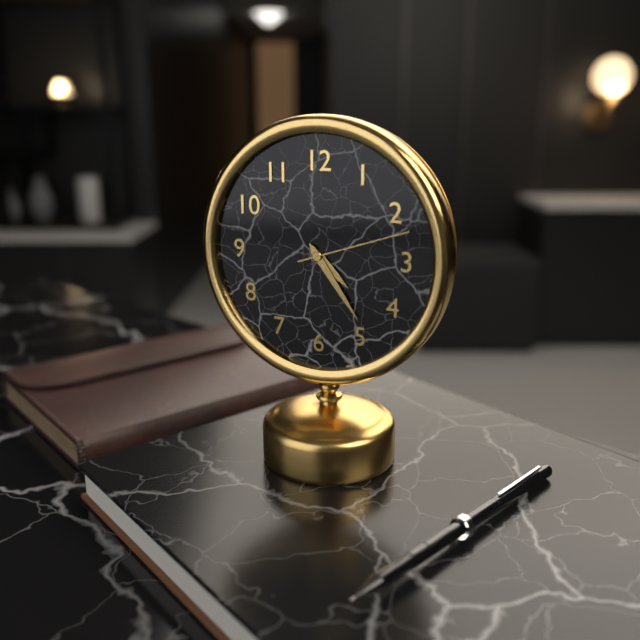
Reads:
{"hour": 4, "minute": 24, "second": 12}
